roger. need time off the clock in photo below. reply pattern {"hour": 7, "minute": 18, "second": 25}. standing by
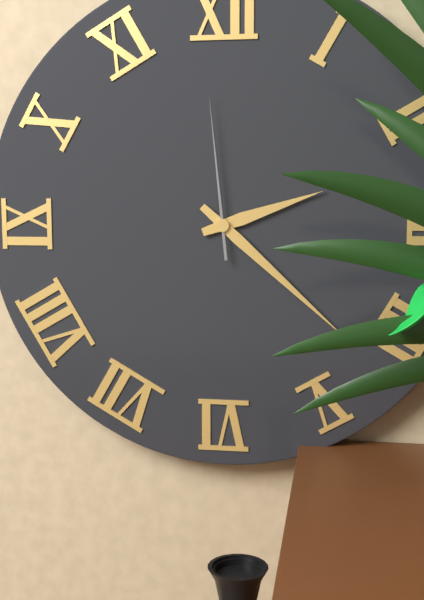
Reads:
{"hour": 2, "minute": 22, "second": 59}
